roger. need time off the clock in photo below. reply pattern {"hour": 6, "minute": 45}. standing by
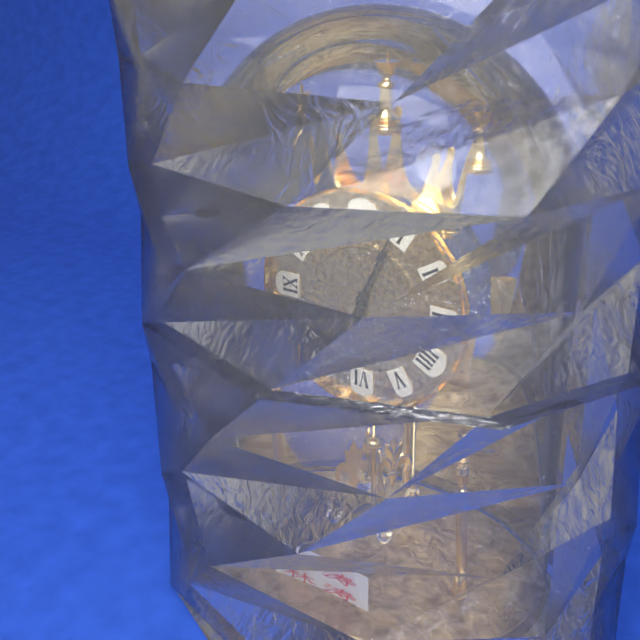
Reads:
{"hour": 6, "minute": 4}
